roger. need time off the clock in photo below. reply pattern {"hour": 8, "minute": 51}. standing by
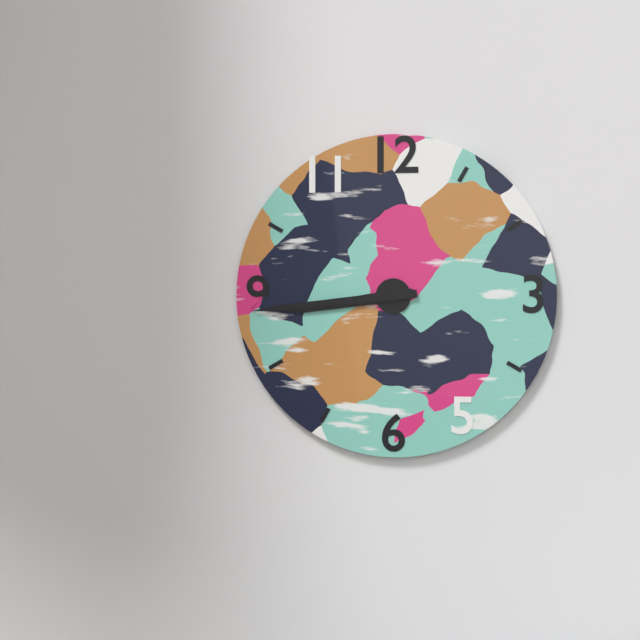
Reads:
{"hour": 8, "minute": 44}
